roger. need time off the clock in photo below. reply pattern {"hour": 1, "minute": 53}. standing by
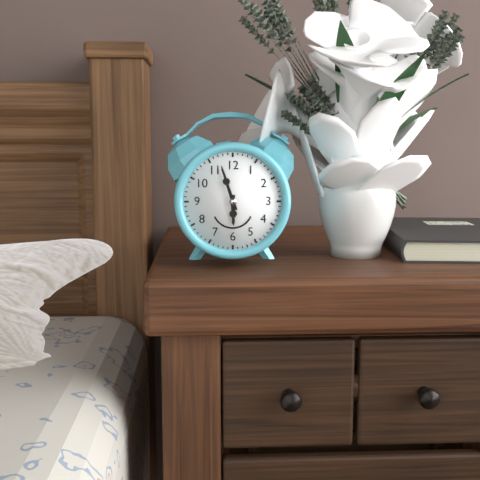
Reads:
{"hour": 5, "minute": 57}
